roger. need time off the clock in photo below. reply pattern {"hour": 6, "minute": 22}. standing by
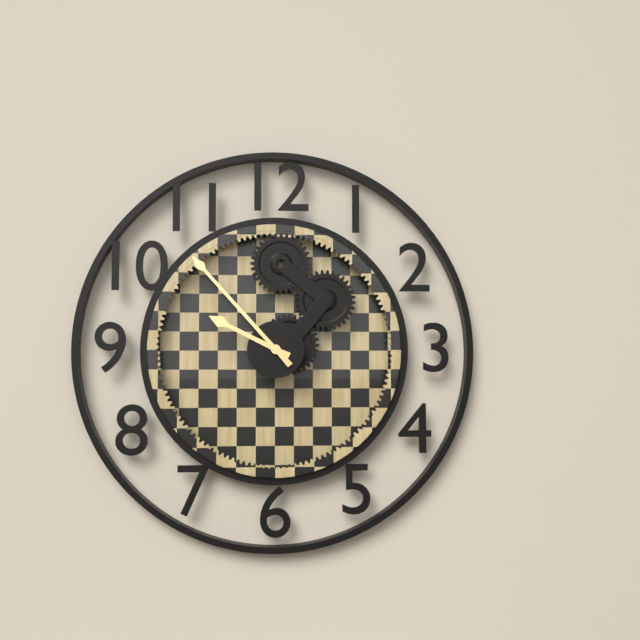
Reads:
{"hour": 9, "minute": 53}
